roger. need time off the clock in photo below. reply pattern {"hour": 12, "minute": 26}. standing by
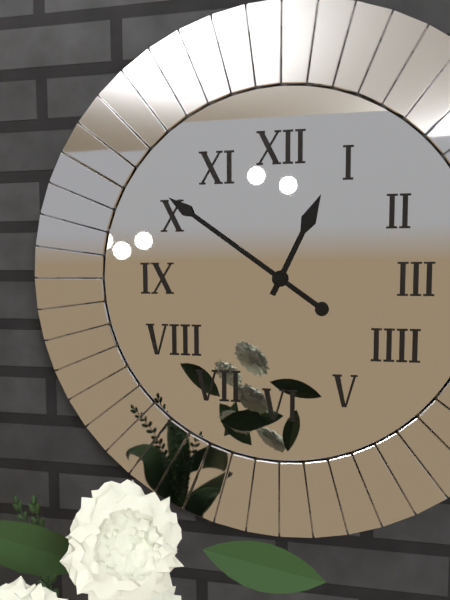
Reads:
{"hour": 12, "minute": 51}
